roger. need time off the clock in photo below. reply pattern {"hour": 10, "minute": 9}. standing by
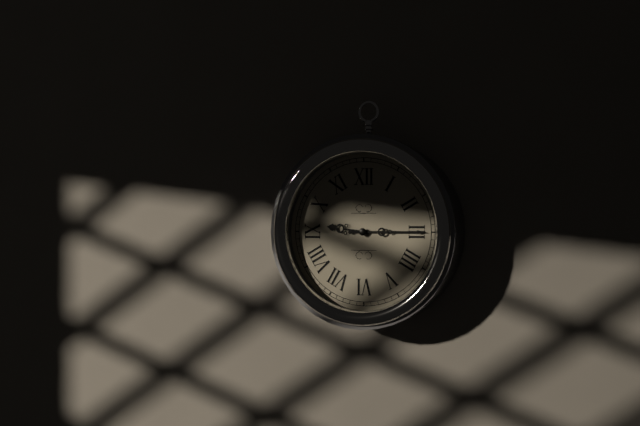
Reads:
{"hour": 9, "minute": 15}
